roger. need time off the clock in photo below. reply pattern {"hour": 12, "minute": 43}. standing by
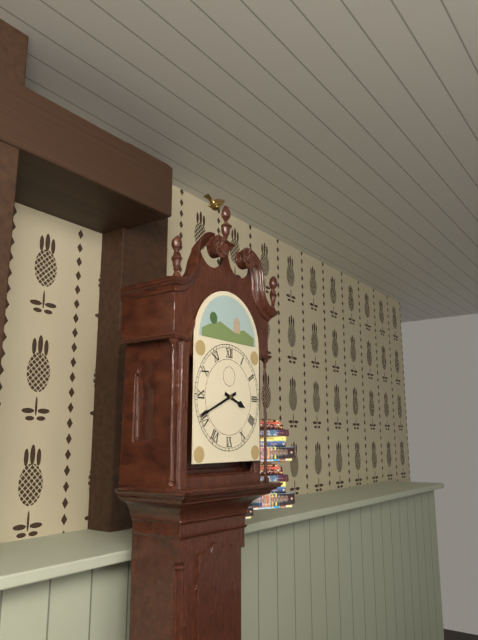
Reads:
{"hour": 3, "minute": 41}
